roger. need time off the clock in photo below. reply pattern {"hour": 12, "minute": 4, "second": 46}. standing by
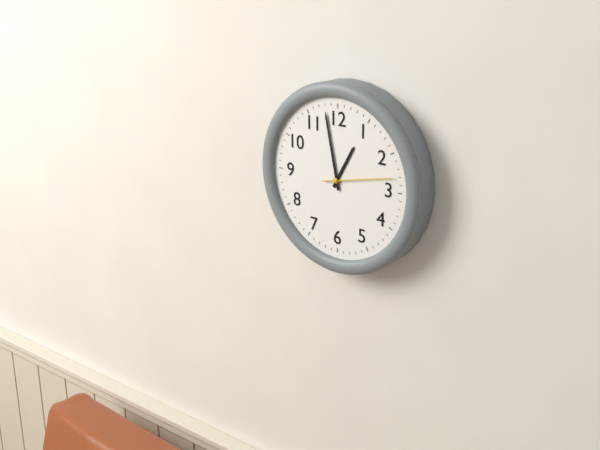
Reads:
{"hour": 12, "minute": 58, "second": 13}
